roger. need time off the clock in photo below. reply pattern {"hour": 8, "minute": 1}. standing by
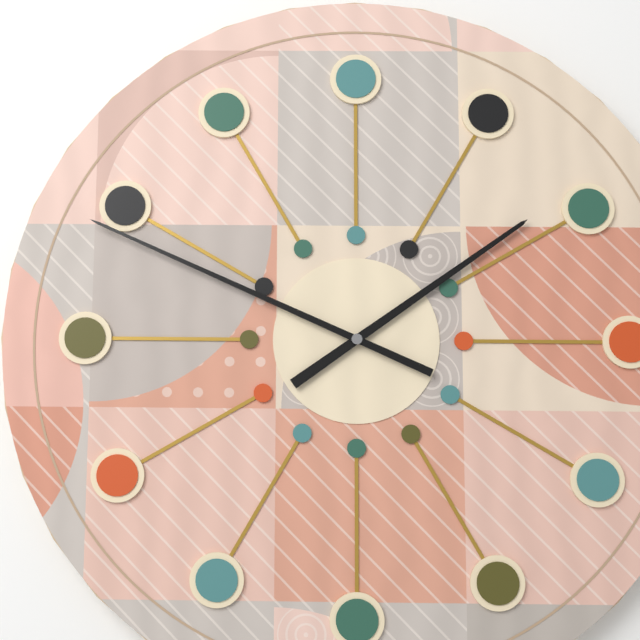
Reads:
{"hour": 1, "minute": 49}
